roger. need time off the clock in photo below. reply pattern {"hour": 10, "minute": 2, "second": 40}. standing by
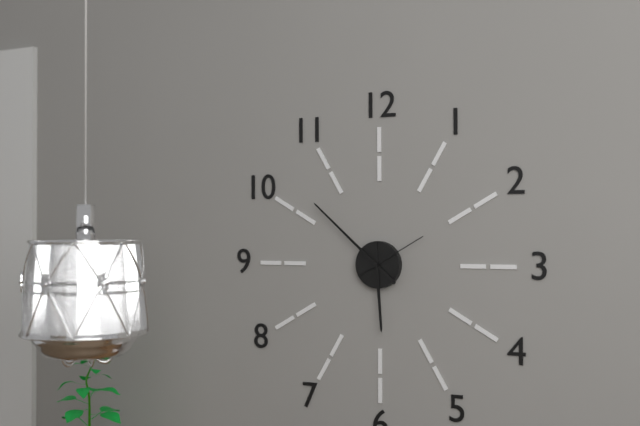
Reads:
{"hour": 5, "minute": 52, "second": 10}
